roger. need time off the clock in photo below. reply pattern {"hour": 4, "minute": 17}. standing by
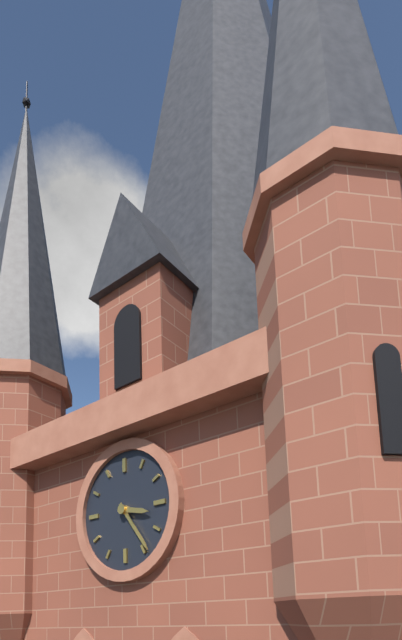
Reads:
{"hour": 3, "minute": 24}
